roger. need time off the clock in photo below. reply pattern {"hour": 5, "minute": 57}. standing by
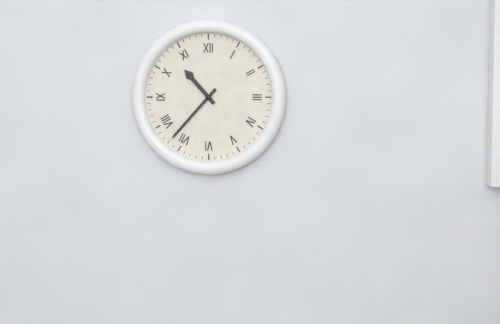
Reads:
{"hour": 10, "minute": 37}
